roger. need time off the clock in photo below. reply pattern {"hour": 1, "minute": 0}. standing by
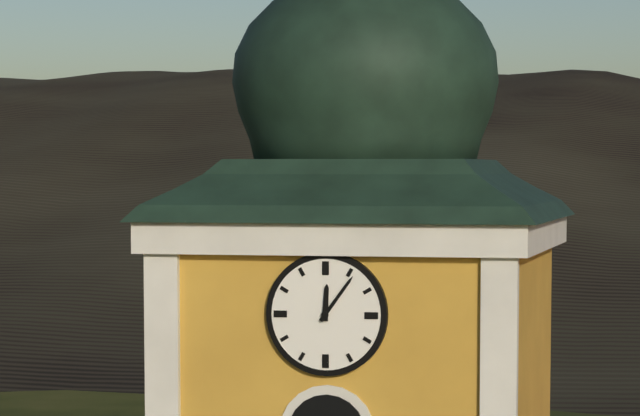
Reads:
{"hour": 12, "minute": 6}
